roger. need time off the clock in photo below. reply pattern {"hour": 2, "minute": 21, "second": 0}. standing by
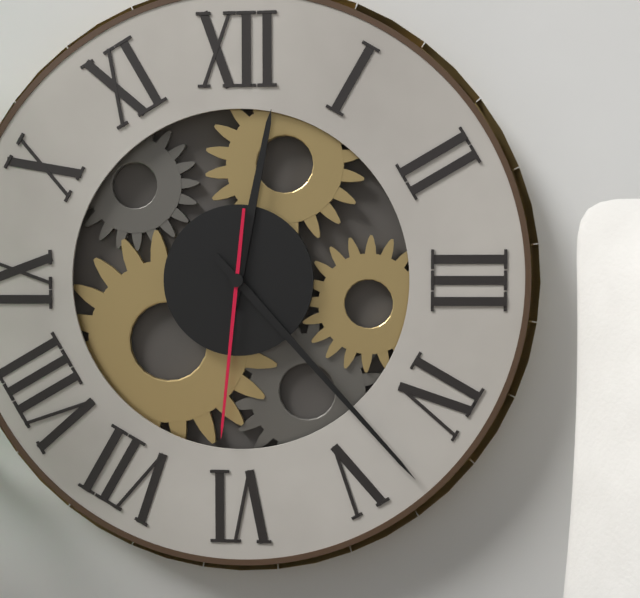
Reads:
{"hour": 12, "minute": 23, "second": 31}
